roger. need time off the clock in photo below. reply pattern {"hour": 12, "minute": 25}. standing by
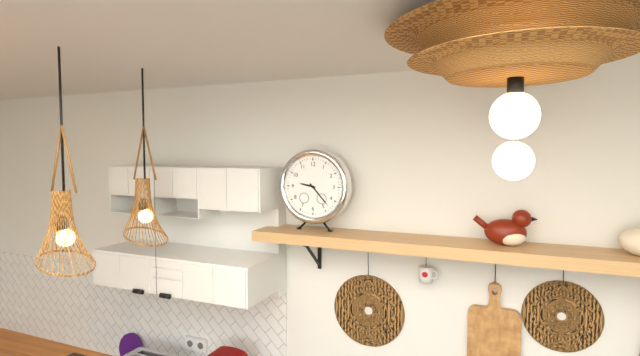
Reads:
{"hour": 9, "minute": 23}
